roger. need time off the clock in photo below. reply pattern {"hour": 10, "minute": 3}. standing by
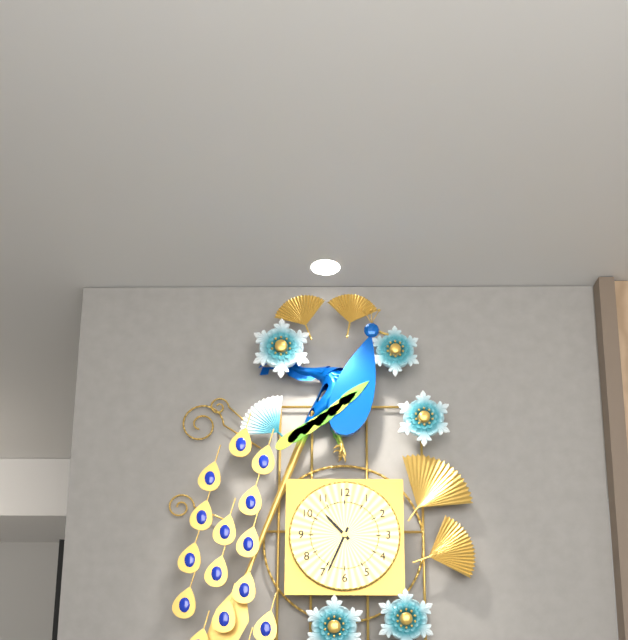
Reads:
{"hour": 10, "minute": 34}
